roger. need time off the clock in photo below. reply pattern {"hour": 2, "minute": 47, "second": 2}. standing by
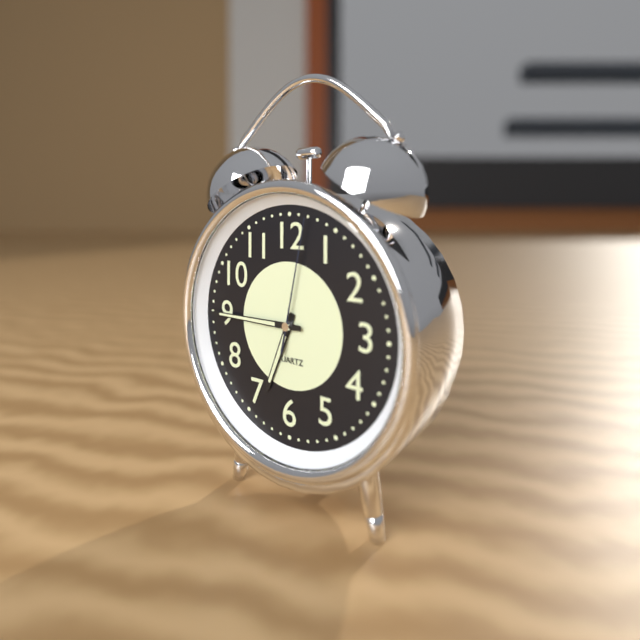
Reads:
{"hour": 6, "minute": 45, "second": 2}
